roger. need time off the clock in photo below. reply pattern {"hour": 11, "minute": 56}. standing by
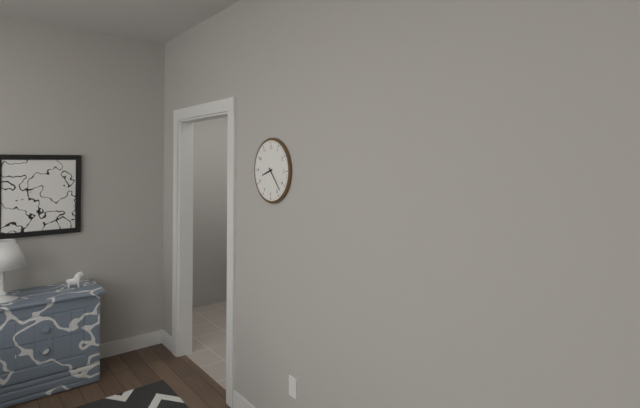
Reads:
{"hour": 8, "minute": 23}
